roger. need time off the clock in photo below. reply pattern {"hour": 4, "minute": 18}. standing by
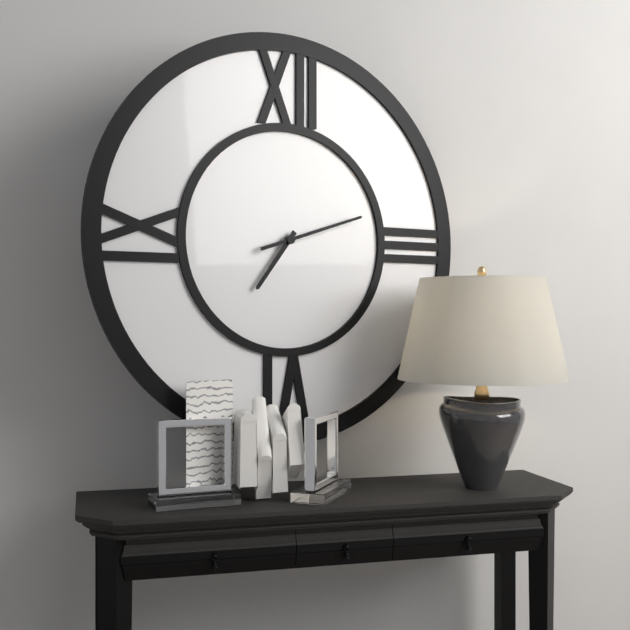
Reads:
{"hour": 7, "minute": 12}
